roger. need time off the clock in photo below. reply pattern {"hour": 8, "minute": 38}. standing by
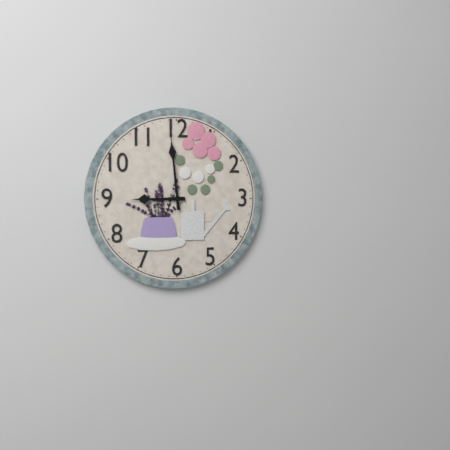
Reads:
{"hour": 8, "minute": 59}
